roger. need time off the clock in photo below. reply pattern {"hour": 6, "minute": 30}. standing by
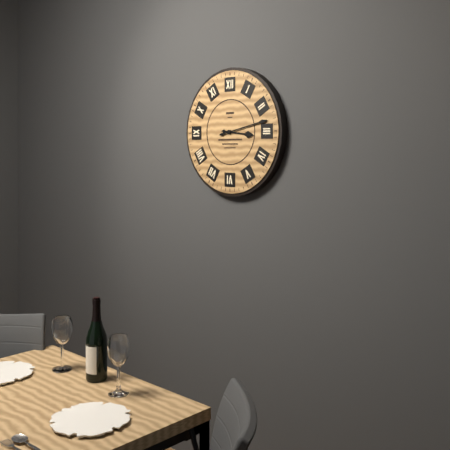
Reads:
{"hour": 3, "minute": 13}
